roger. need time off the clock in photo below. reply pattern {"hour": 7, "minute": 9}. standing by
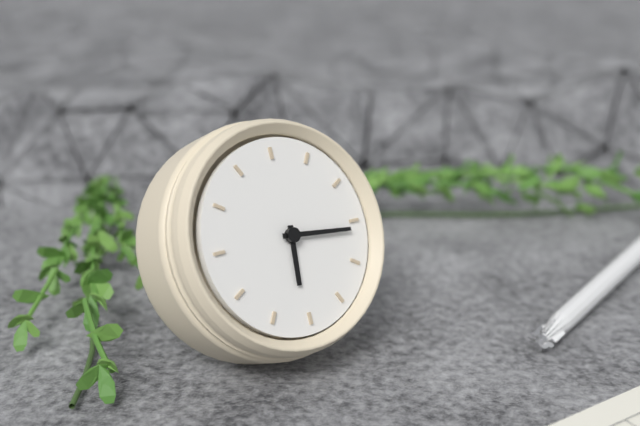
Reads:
{"hour": 5, "minute": 11}
